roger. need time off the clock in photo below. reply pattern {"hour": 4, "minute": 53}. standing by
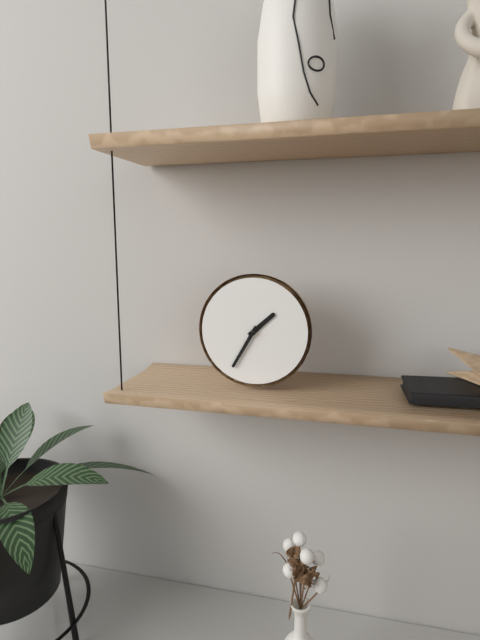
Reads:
{"hour": 1, "minute": 35}
